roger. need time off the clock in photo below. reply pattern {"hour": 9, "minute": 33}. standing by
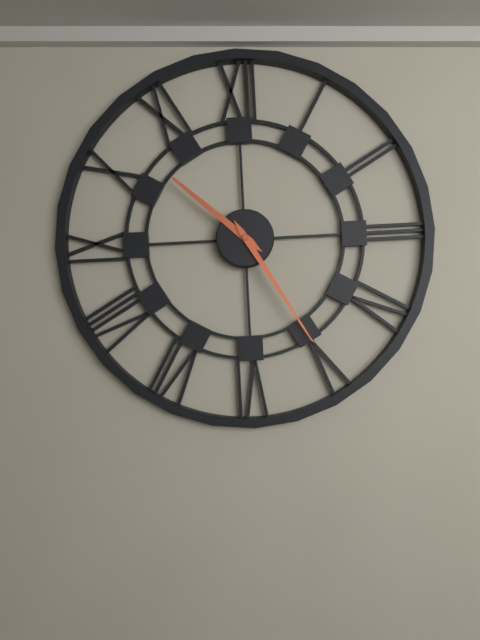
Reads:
{"hour": 10, "minute": 25}
